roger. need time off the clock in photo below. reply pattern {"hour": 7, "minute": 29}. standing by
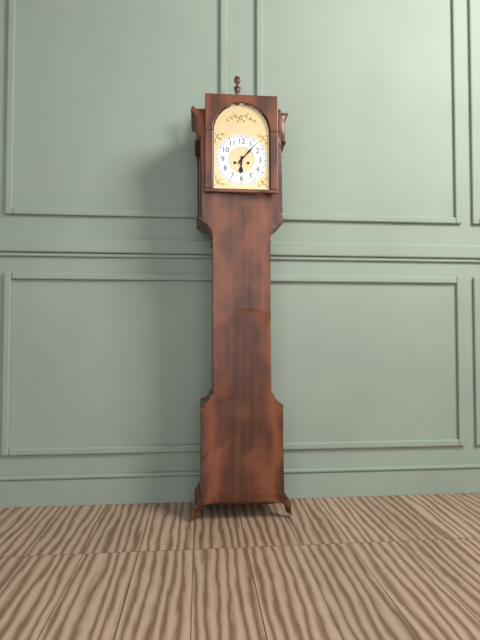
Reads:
{"hour": 6, "minute": 7}
